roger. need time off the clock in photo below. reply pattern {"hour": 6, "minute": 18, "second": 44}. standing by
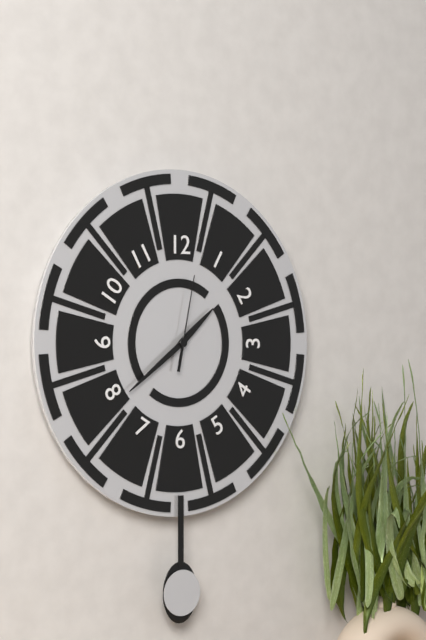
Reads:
{"hour": 1, "minute": 39, "second": 2}
